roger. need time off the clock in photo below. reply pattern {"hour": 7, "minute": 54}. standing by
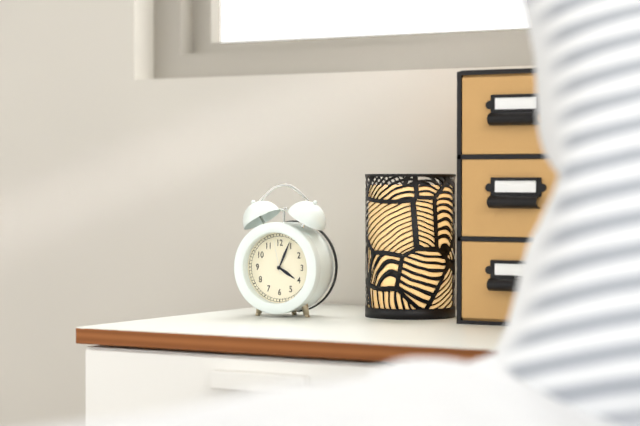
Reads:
{"hour": 4, "minute": 4}
